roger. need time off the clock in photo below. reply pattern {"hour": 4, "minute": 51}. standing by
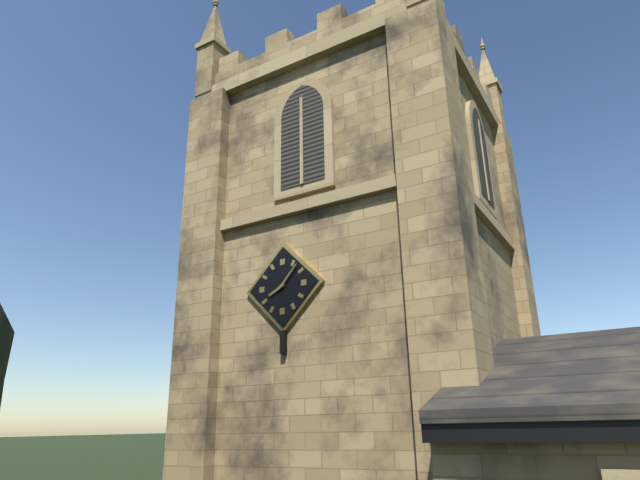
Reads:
{"hour": 8, "minute": 7}
